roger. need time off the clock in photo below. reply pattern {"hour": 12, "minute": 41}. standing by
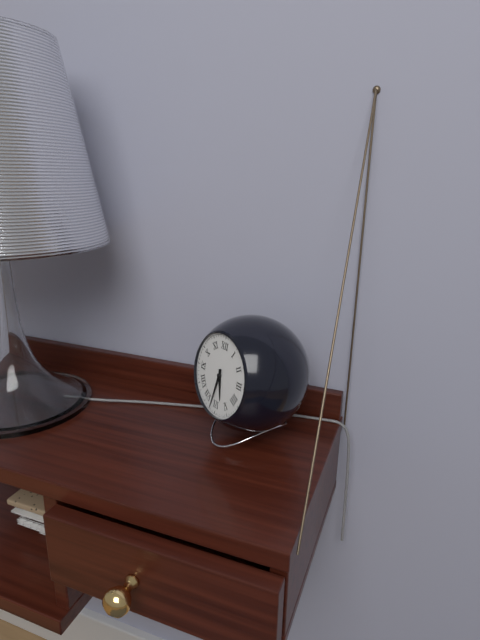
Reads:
{"hour": 5, "minute": 32}
